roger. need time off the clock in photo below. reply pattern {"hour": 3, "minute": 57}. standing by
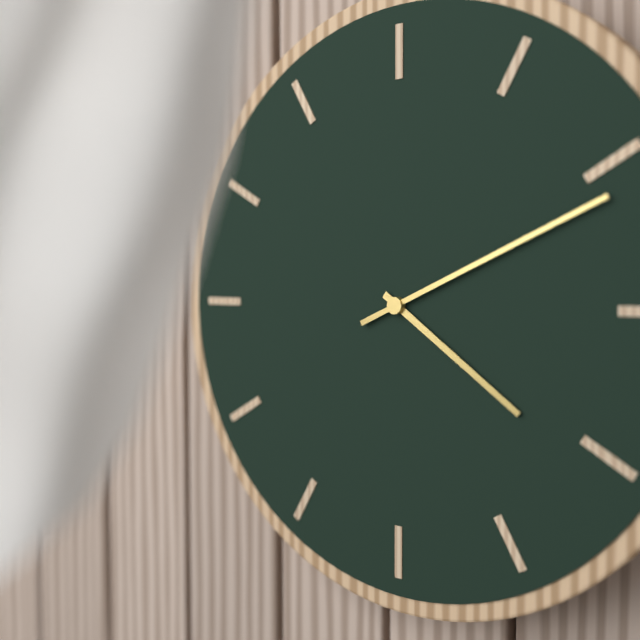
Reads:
{"hour": 4, "minute": 11}
